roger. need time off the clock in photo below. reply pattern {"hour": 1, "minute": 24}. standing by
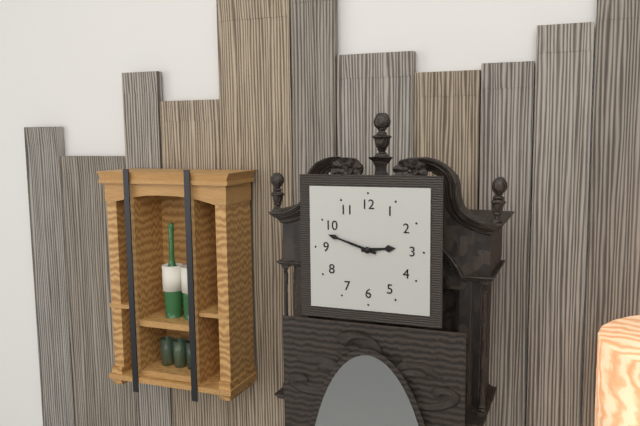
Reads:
{"hour": 2, "minute": 48}
